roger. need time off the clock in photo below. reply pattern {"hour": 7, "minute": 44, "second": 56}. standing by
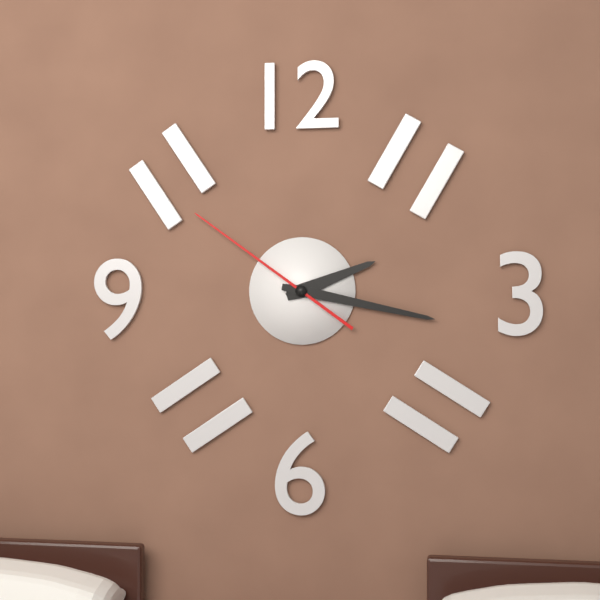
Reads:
{"hour": 2, "minute": 17, "second": 51}
